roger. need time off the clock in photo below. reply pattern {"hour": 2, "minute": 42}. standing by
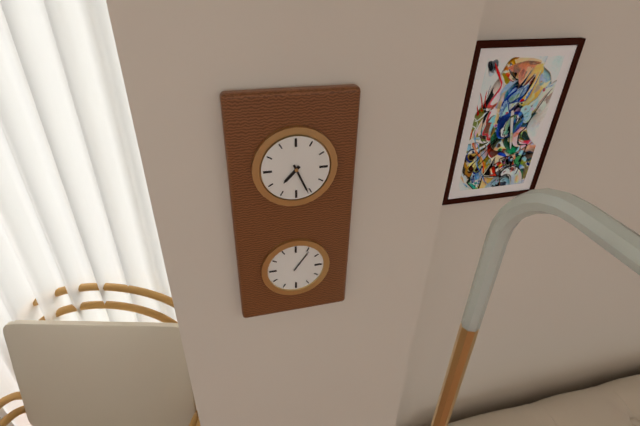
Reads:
{"hour": 7, "minute": 26}
